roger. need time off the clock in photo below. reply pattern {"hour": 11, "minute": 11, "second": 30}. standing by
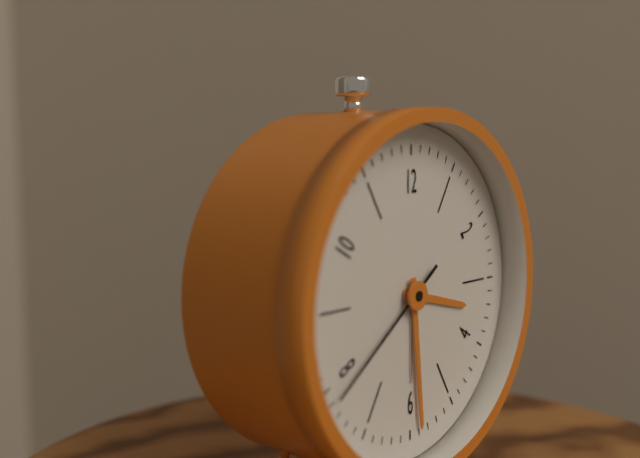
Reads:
{"hour": 3, "minute": 29, "second": 39}
